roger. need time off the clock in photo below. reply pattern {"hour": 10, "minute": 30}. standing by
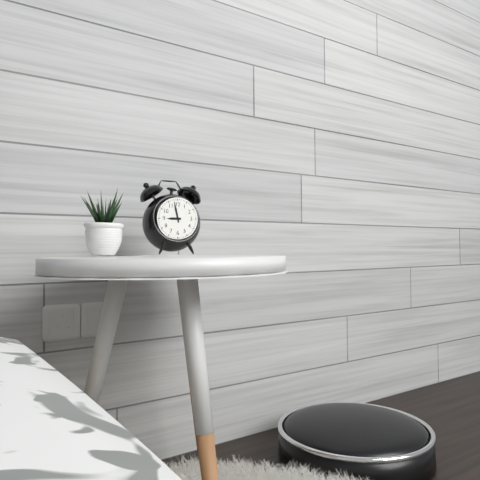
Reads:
{"hour": 8, "minute": 58}
